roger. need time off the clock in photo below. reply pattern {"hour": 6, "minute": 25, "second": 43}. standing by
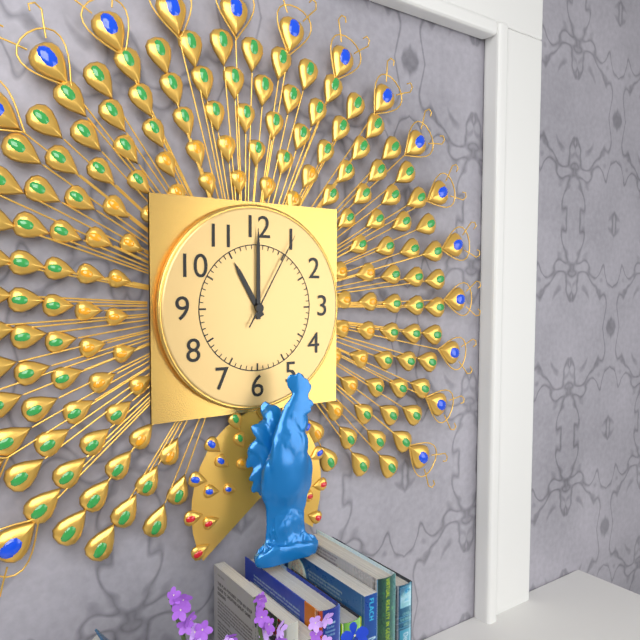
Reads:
{"hour": 11, "minute": 0, "second": 5}
